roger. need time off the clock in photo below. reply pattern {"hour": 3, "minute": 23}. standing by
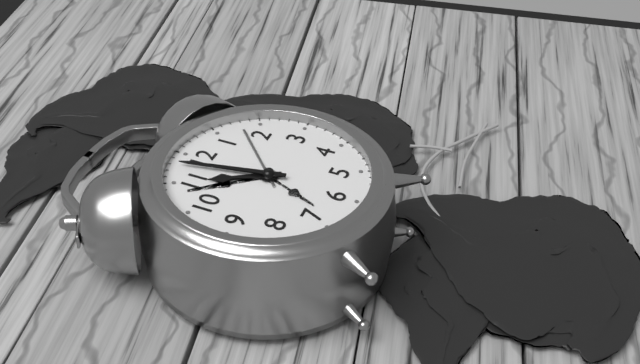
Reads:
{"hour": 10, "minute": 58}
